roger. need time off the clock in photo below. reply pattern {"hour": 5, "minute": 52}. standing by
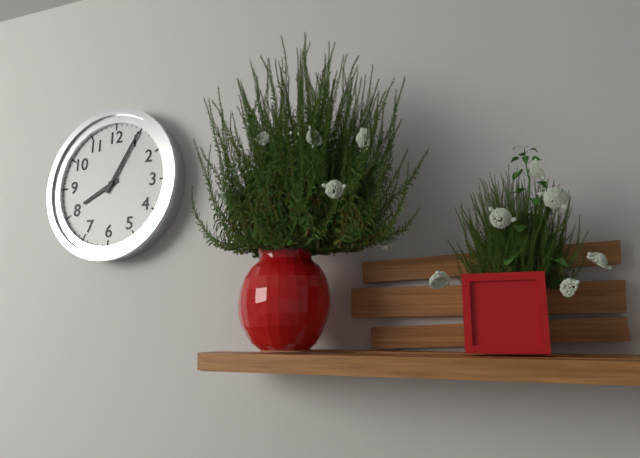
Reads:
{"hour": 8, "minute": 5}
